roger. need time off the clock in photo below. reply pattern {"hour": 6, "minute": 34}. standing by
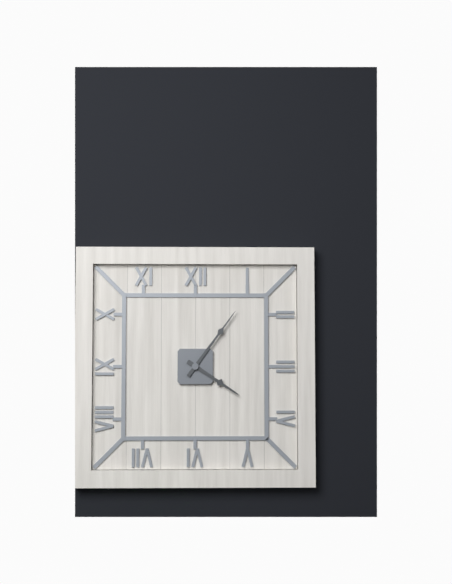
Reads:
{"hour": 4, "minute": 6}
